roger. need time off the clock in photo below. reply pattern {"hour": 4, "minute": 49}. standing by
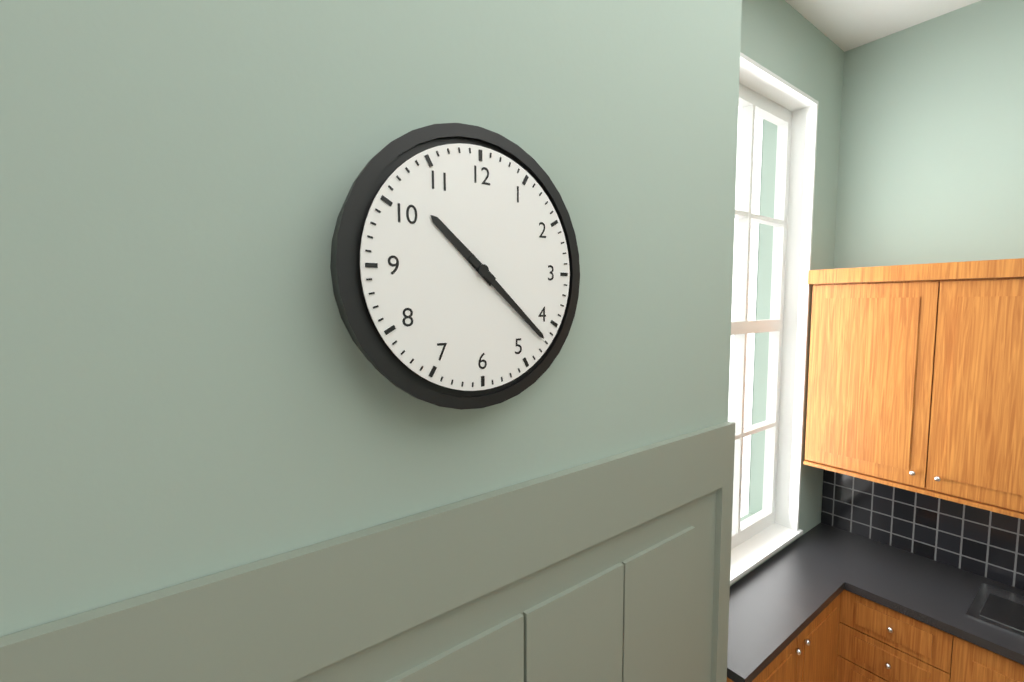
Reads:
{"hour": 10, "minute": 22}
